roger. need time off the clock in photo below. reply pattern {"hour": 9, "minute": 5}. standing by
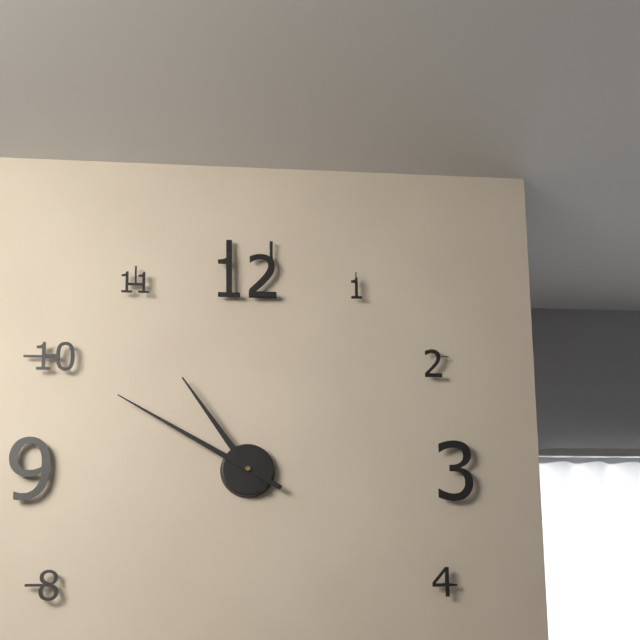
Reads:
{"hour": 10, "minute": 50}
